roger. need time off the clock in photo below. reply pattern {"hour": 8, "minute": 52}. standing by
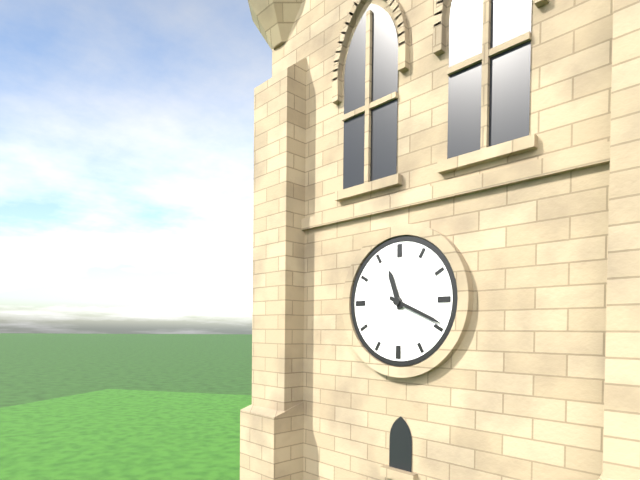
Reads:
{"hour": 11, "minute": 19}
